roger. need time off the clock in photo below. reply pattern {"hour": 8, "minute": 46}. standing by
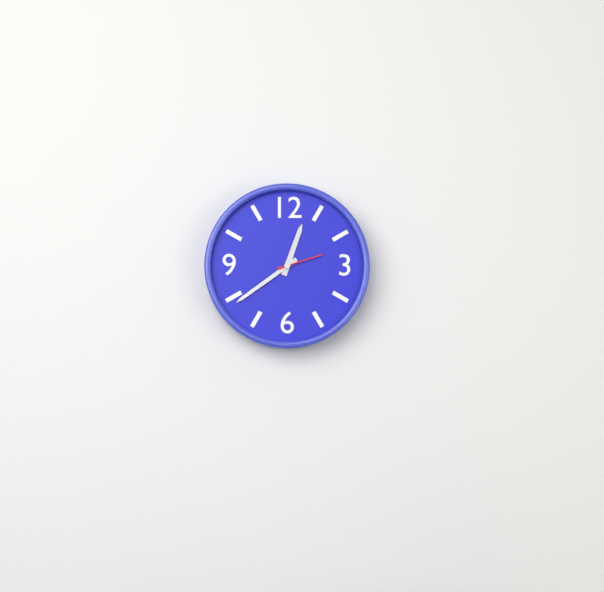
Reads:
{"hour": 12, "minute": 39}
